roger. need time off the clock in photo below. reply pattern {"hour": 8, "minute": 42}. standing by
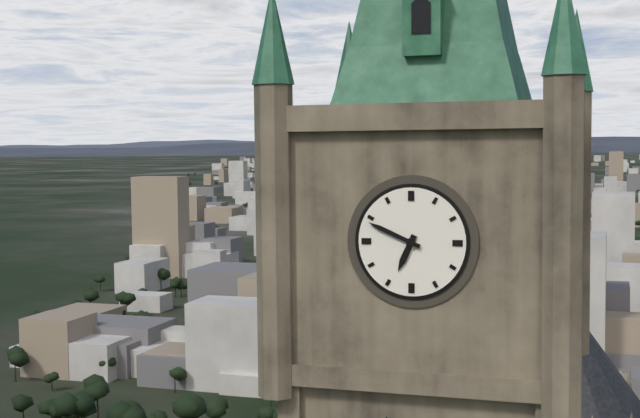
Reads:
{"hour": 6, "minute": 49}
